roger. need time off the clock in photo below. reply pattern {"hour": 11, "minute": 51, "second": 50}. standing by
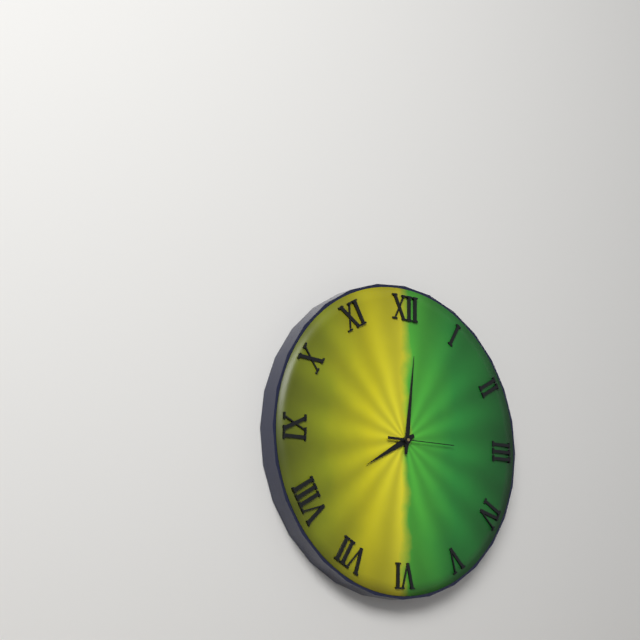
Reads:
{"hour": 8, "minute": 1, "second": 15}
